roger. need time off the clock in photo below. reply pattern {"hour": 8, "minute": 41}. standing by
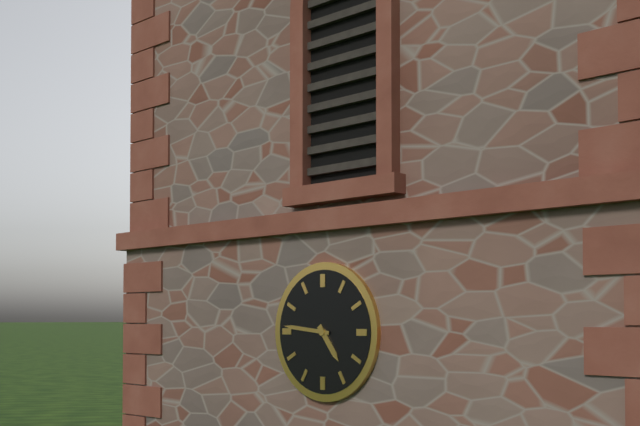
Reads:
{"hour": 4, "minute": 46}
